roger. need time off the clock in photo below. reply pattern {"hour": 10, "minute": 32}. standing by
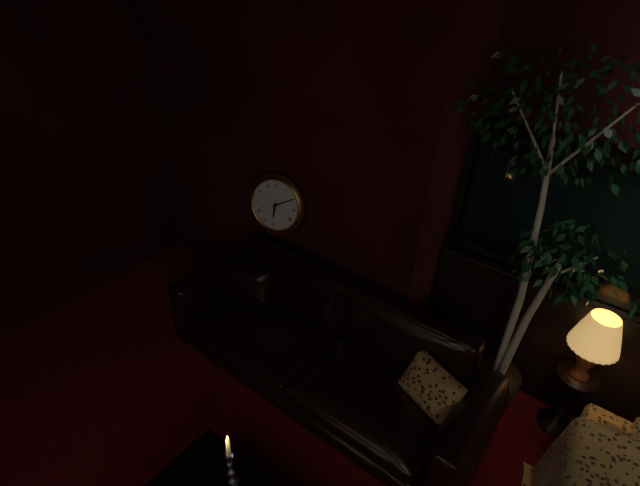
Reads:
{"hour": 6, "minute": 10}
